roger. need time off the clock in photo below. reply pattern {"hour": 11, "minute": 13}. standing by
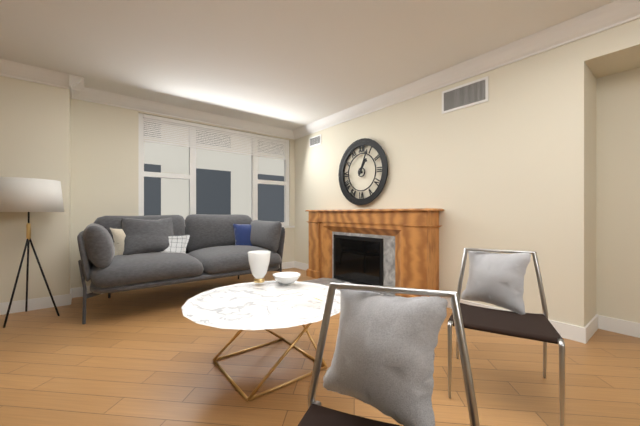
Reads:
{"hour": 1, "minute": 4}
